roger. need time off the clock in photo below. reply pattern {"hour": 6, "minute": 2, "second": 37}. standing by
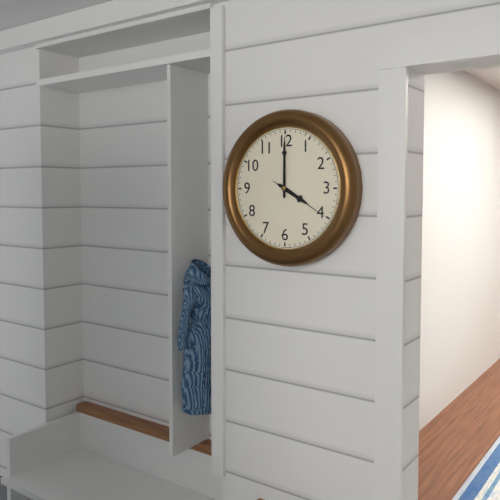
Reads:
{"hour": 4, "minute": 0, "second": 20}
